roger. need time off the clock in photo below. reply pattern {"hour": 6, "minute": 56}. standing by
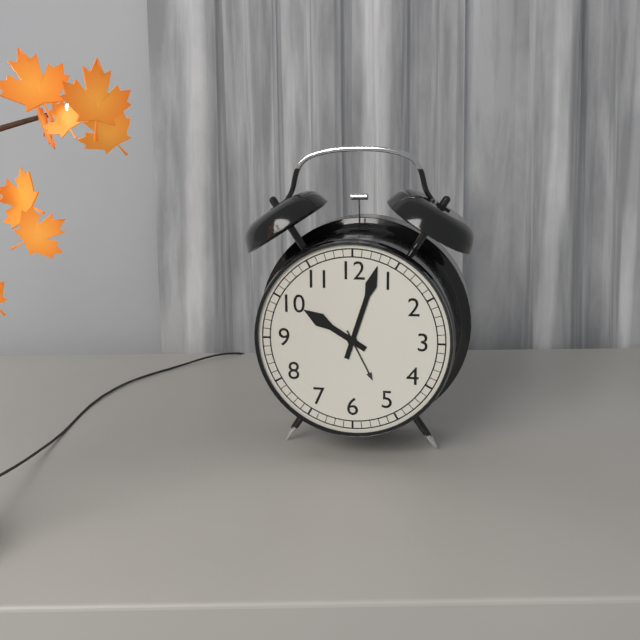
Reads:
{"hour": 10, "minute": 3}
